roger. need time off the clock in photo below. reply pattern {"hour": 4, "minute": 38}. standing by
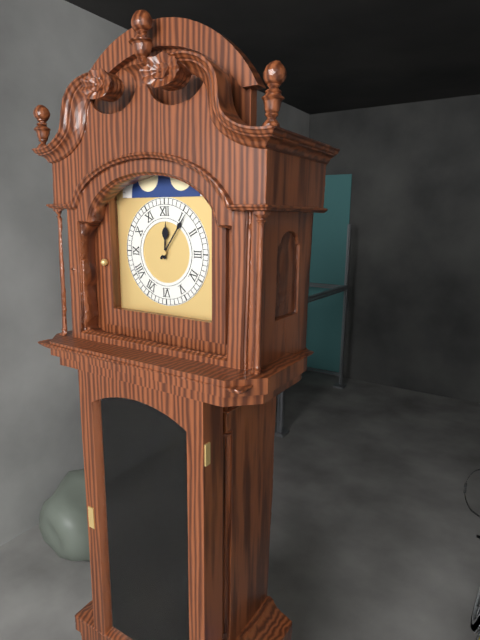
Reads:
{"hour": 12, "minute": 6}
